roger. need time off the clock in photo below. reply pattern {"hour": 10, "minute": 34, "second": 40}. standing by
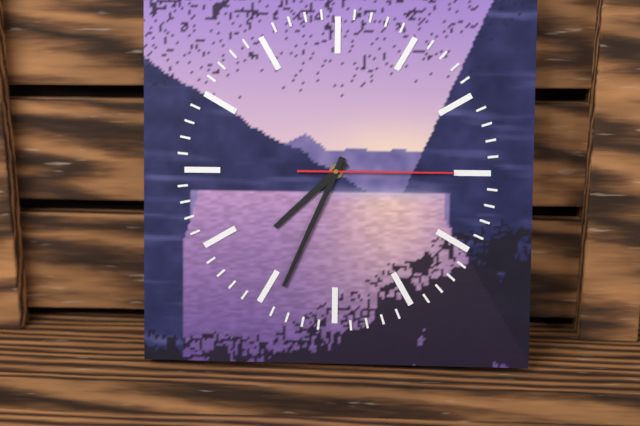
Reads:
{"hour": 7, "minute": 34, "second": 15}
